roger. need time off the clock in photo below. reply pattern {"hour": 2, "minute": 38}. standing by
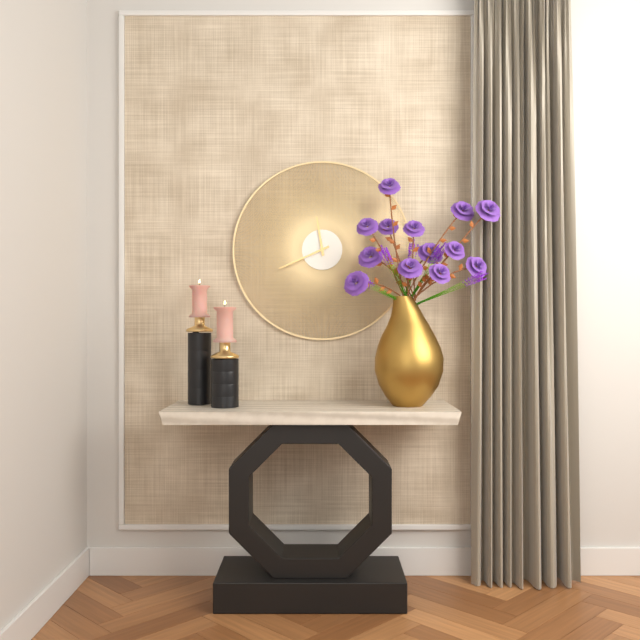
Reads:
{"hour": 11, "minute": 41}
